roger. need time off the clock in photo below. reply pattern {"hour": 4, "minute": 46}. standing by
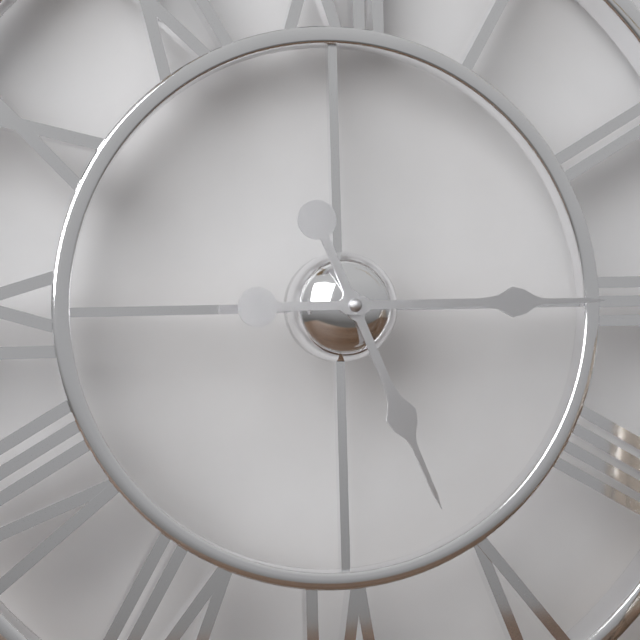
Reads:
{"hour": 5, "minute": 15}
